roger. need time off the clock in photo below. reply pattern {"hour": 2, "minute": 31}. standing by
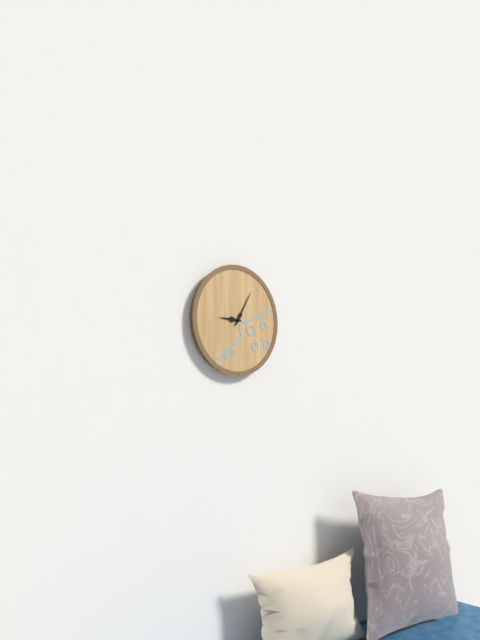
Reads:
{"hour": 9, "minute": 5}
